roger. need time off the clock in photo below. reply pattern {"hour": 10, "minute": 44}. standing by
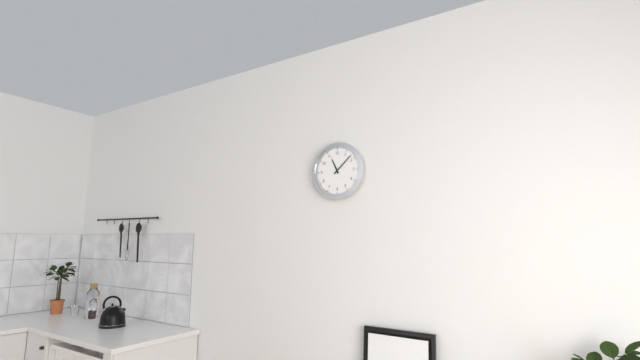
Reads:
{"hour": 11, "minute": 8}
